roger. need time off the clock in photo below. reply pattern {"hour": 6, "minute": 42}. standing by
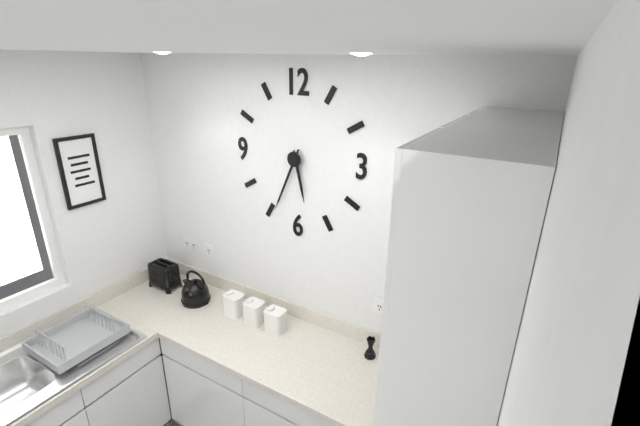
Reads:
{"hour": 5, "minute": 34}
